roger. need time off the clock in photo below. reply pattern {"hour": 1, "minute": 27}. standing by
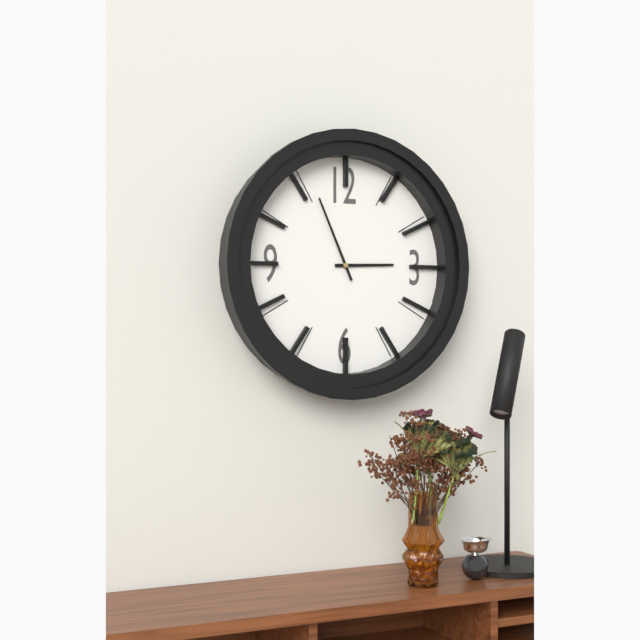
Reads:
{"hour": 2, "minute": 56}
